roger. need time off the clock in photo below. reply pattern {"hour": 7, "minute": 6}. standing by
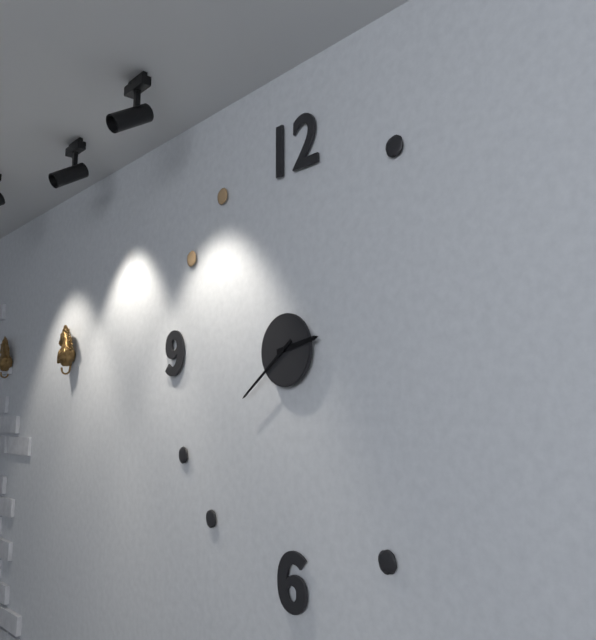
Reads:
{"hour": 2, "minute": 39}
